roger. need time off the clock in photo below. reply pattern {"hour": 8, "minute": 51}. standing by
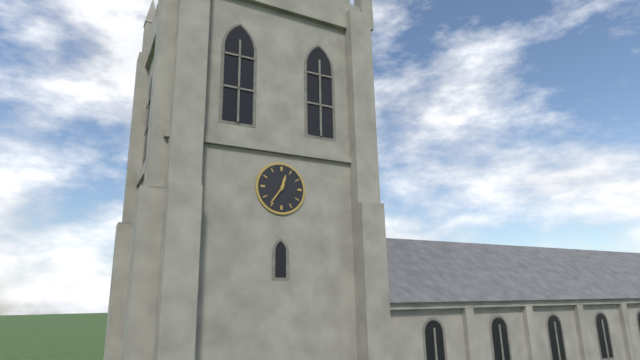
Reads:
{"hour": 12, "minute": 36}
